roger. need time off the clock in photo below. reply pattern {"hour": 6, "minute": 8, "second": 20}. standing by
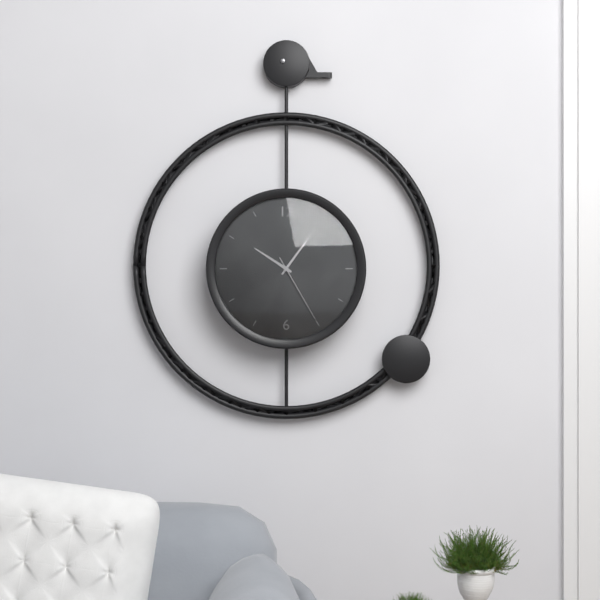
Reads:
{"hour": 10, "minute": 6, "second": 25}
